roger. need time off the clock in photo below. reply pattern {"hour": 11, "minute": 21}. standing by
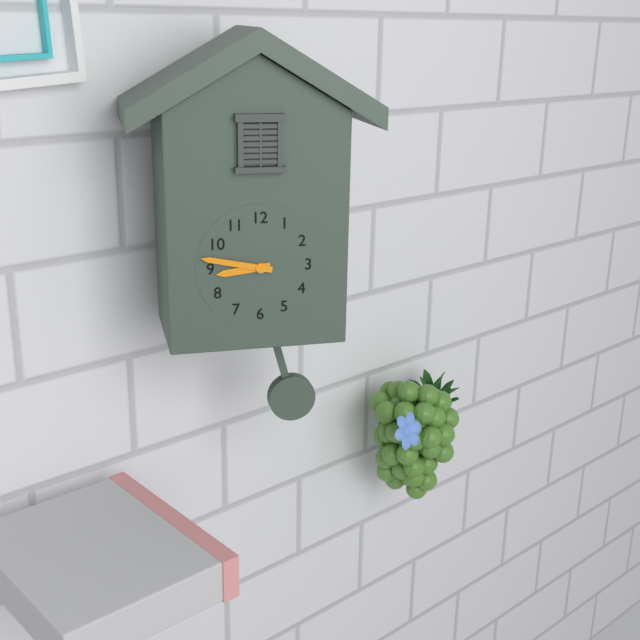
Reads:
{"hour": 8, "minute": 47}
